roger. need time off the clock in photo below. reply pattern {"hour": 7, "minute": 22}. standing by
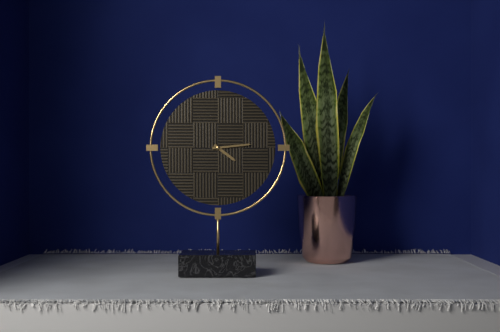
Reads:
{"hour": 4, "minute": 14}
